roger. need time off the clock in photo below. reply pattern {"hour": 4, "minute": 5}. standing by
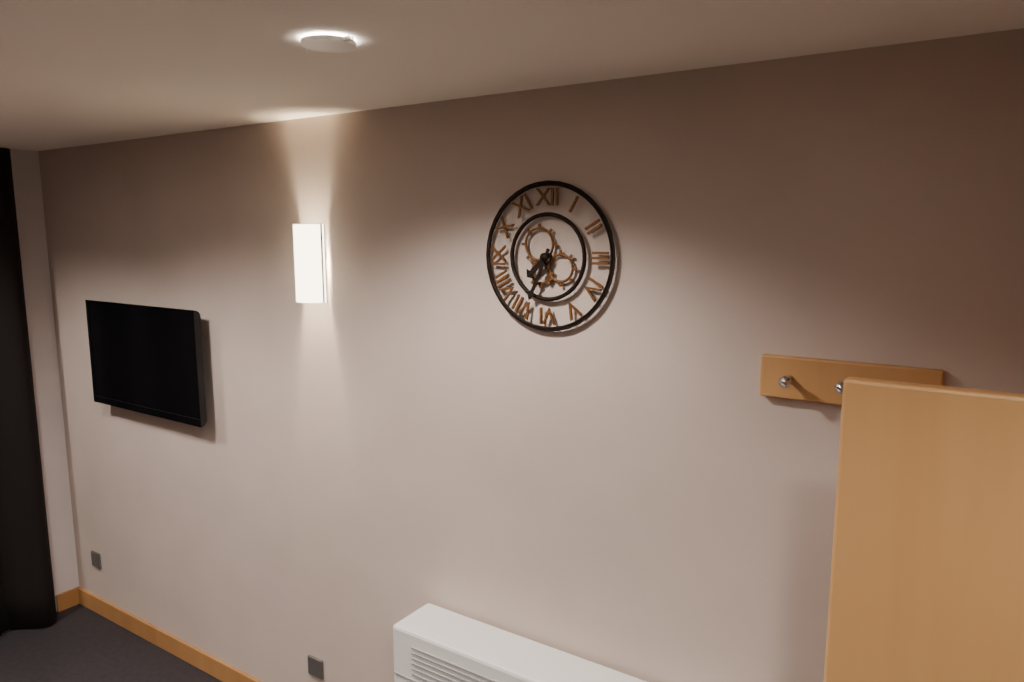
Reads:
{"hour": 7, "minute": 34}
